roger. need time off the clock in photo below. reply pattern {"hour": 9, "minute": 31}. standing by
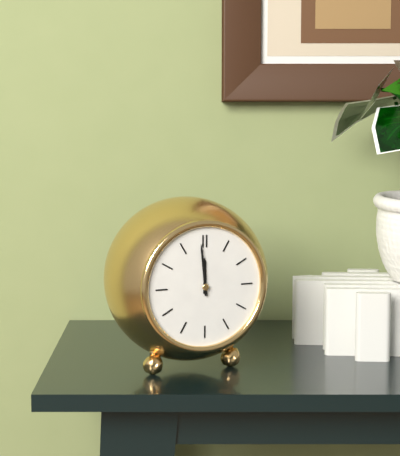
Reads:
{"hour": 11, "minute": 59}
